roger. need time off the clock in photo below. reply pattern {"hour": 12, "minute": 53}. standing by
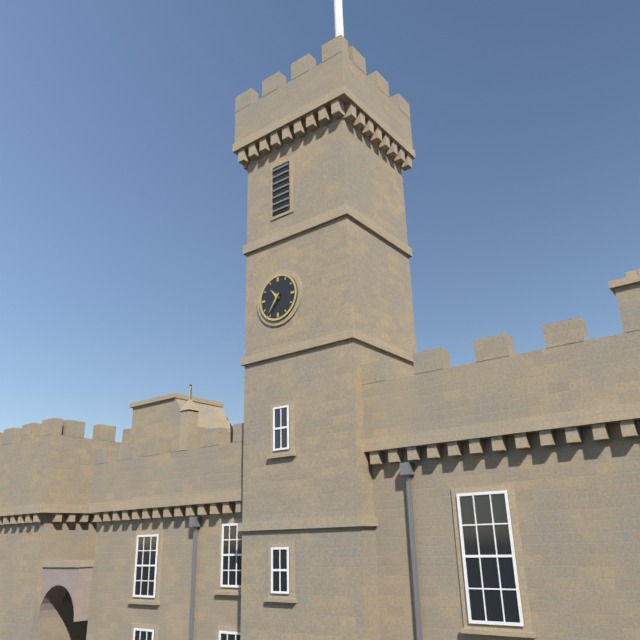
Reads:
{"hour": 10, "minute": 36}
